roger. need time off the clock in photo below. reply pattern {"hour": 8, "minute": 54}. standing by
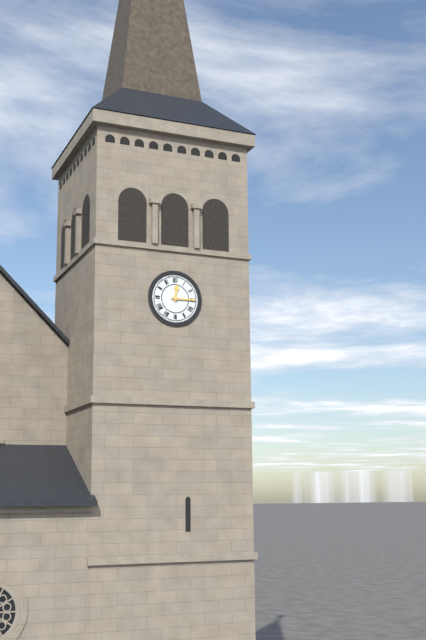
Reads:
{"hour": 12, "minute": 15}
